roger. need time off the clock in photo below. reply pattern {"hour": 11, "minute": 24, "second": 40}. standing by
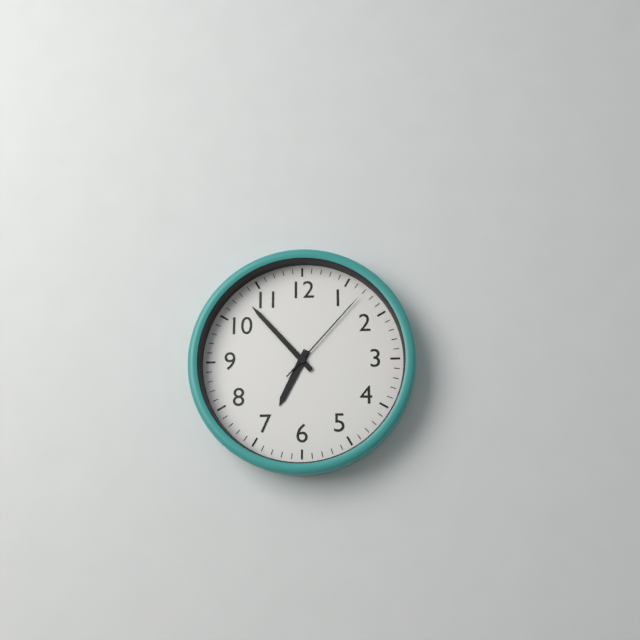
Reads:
{"hour": 6, "minute": 53, "second": 7}
